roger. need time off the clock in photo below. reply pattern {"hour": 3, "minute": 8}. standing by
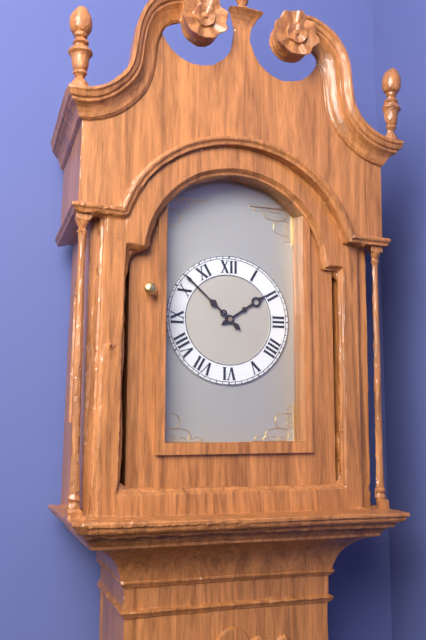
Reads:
{"hour": 1, "minute": 52}
